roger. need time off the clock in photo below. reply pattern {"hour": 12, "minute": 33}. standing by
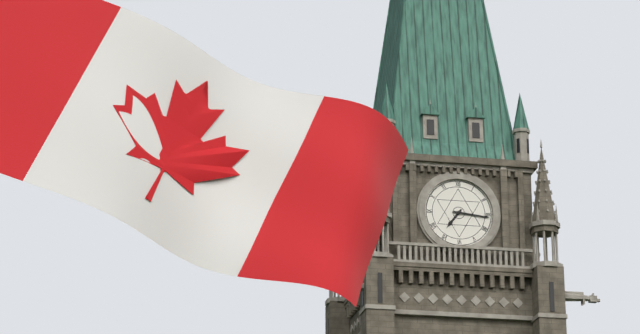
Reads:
{"hour": 7, "minute": 16}
